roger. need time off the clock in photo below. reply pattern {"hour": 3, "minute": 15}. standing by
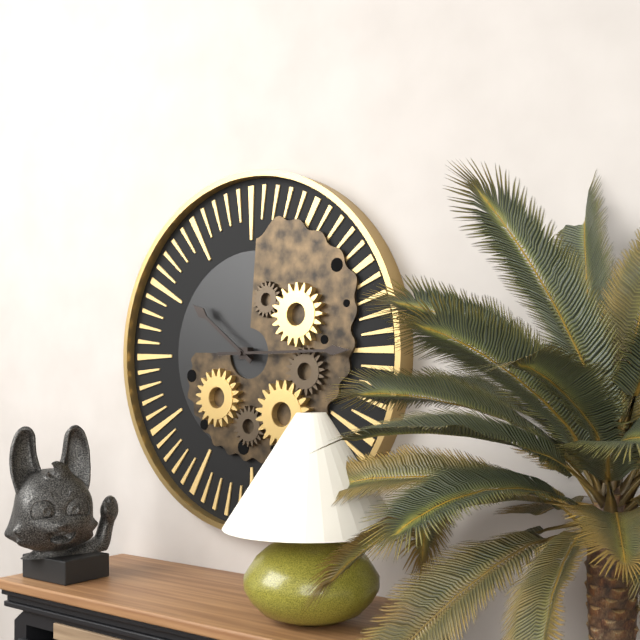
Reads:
{"hour": 10, "minute": 15}
